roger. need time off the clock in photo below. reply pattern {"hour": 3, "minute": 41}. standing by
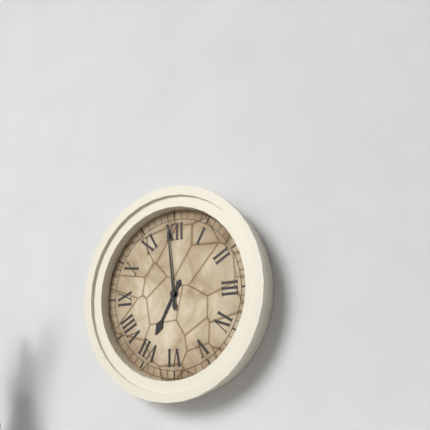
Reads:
{"hour": 6, "minute": 59}
